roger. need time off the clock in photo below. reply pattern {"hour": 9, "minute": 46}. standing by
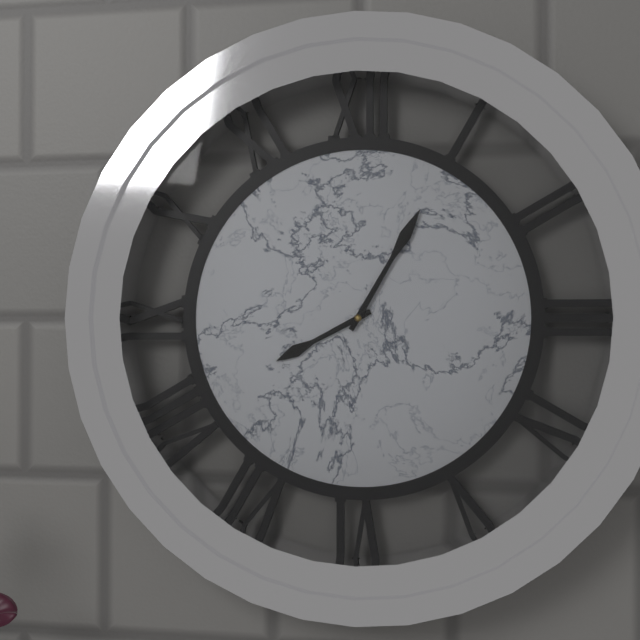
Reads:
{"hour": 8, "minute": 5}
